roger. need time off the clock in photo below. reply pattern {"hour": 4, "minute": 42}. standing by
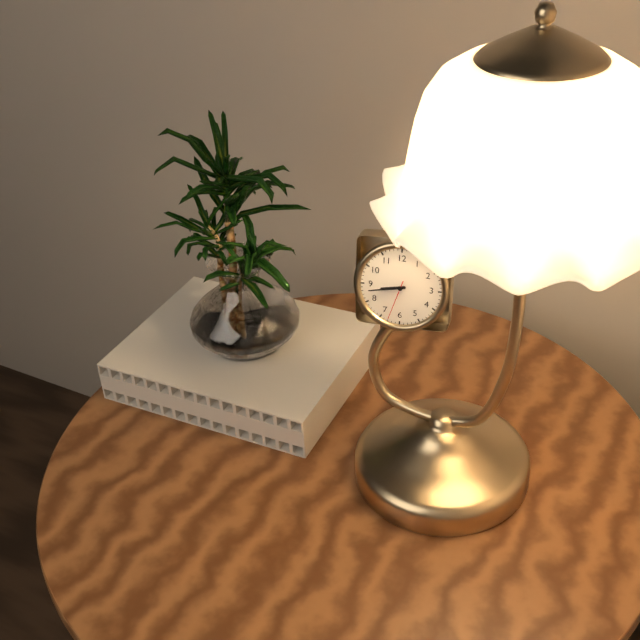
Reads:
{"hour": 8, "minute": 43}
